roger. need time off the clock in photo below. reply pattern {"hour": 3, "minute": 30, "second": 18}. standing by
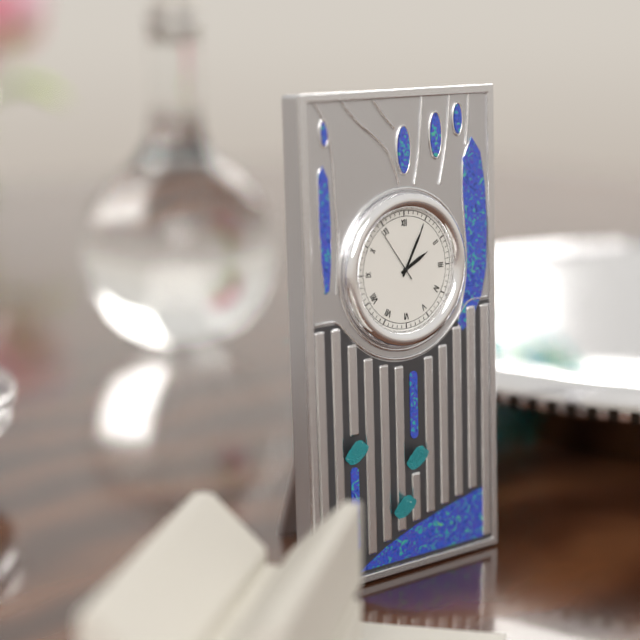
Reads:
{"hour": 2, "minute": 5, "second": 54}
